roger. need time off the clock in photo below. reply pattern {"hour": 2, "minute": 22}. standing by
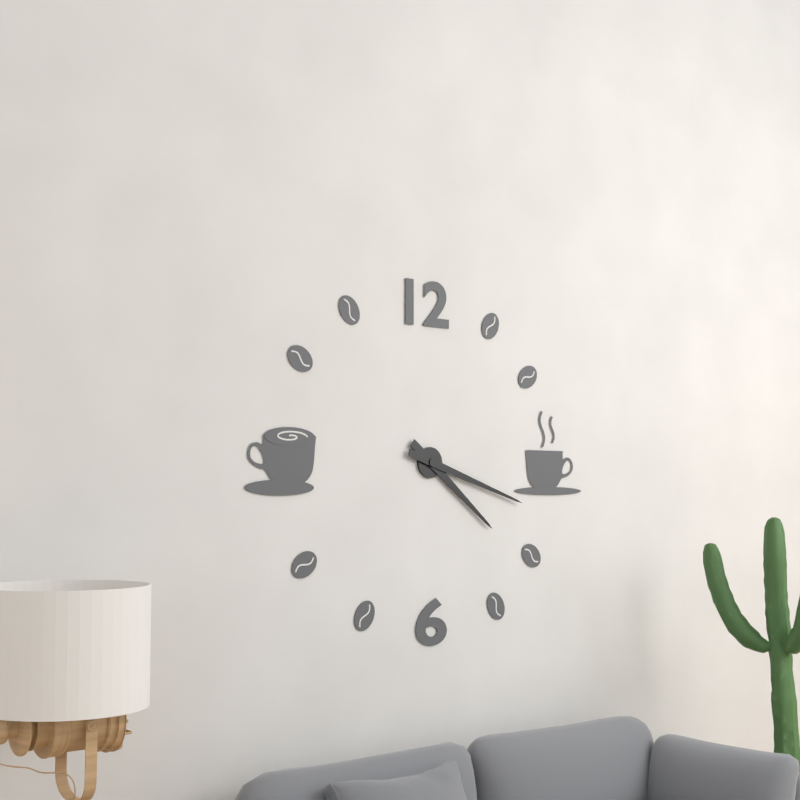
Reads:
{"hour": 4, "minute": 18}
